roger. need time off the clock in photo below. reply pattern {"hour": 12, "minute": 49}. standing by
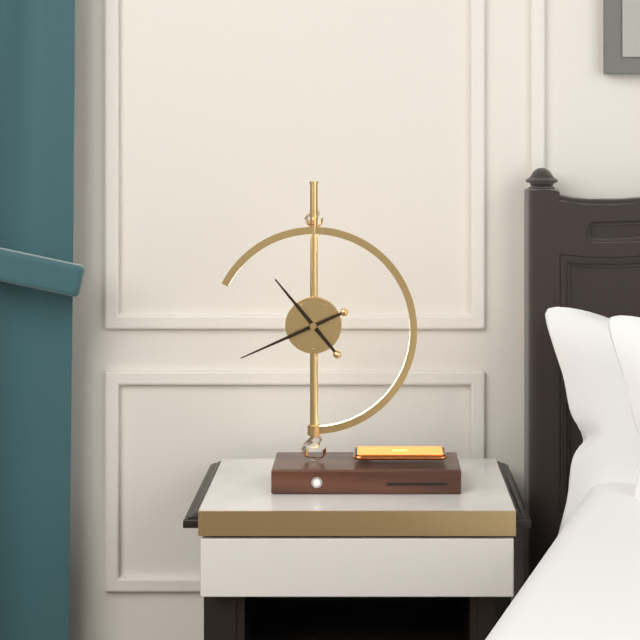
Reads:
{"hour": 10, "minute": 41}
